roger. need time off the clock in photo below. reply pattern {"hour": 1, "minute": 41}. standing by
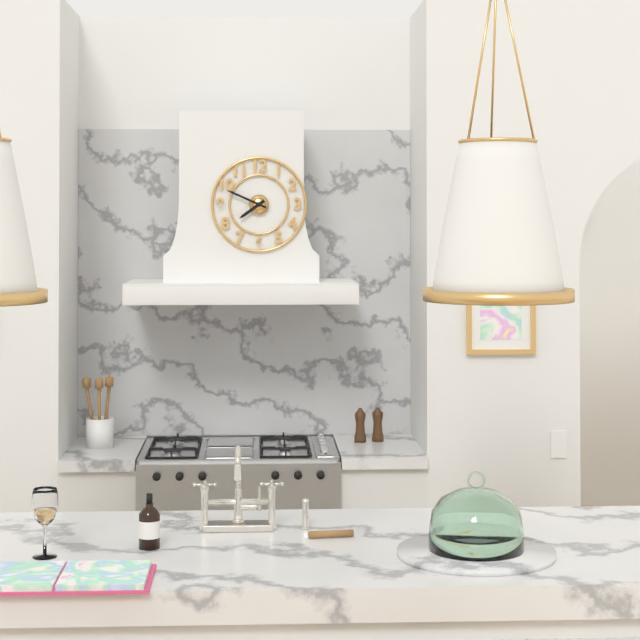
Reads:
{"hour": 7, "minute": 49}
